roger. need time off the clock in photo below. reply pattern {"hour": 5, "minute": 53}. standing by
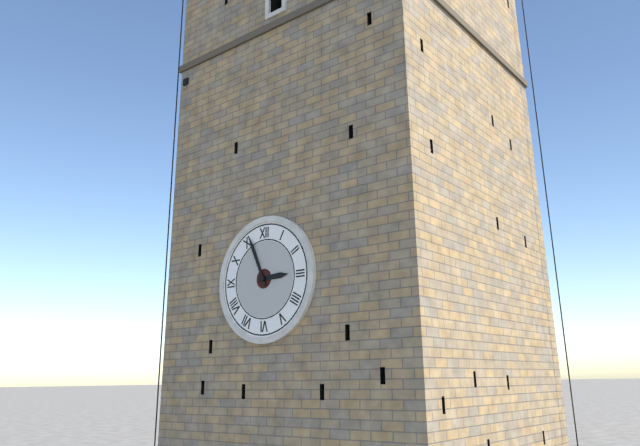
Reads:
{"hour": 2, "minute": 56}
